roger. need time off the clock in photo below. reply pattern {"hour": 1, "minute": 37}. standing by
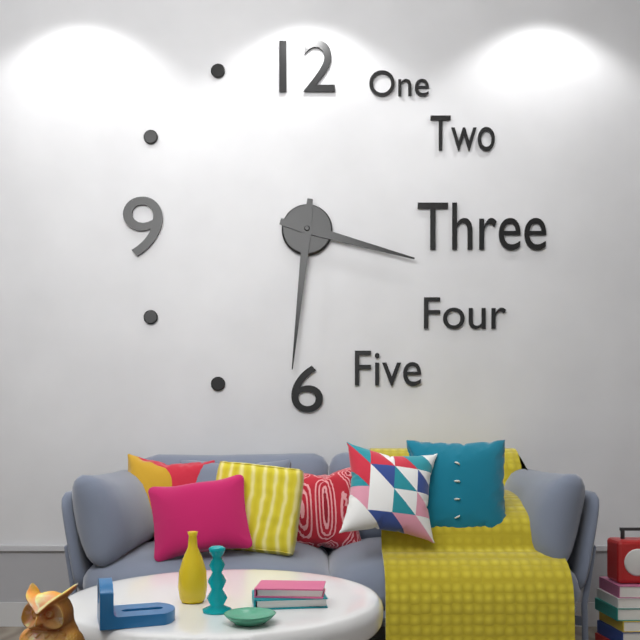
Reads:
{"hour": 3, "minute": 31}
